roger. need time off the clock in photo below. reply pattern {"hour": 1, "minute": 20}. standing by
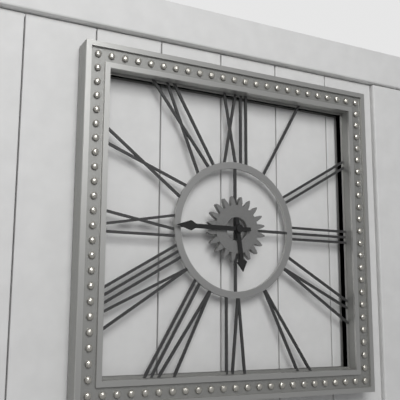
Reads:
{"hour": 5, "minute": 45}
